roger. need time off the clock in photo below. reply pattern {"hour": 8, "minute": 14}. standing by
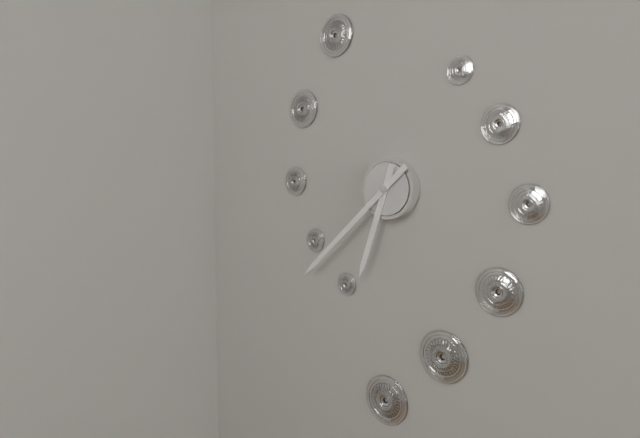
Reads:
{"hour": 6, "minute": 38}
